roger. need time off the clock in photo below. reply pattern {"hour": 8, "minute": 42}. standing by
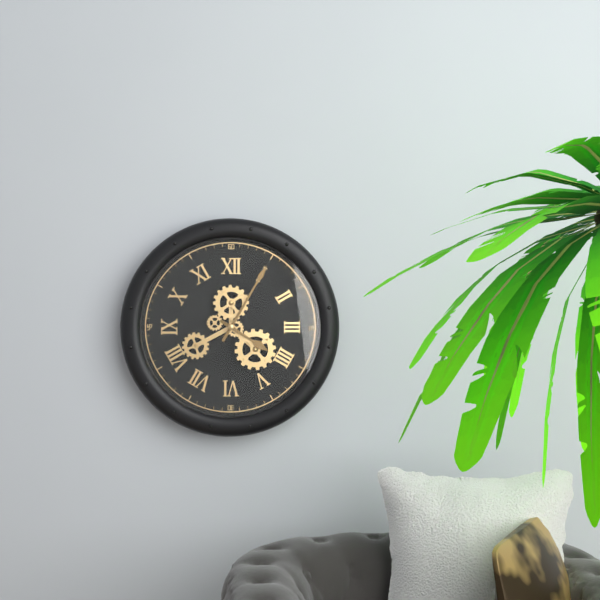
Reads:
{"hour": 4, "minute": 5}
